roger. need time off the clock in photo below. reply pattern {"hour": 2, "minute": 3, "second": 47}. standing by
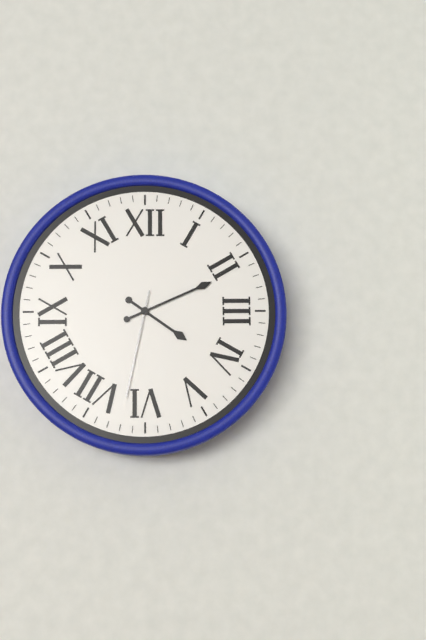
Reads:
{"hour": 4, "minute": 11, "second": 32}
